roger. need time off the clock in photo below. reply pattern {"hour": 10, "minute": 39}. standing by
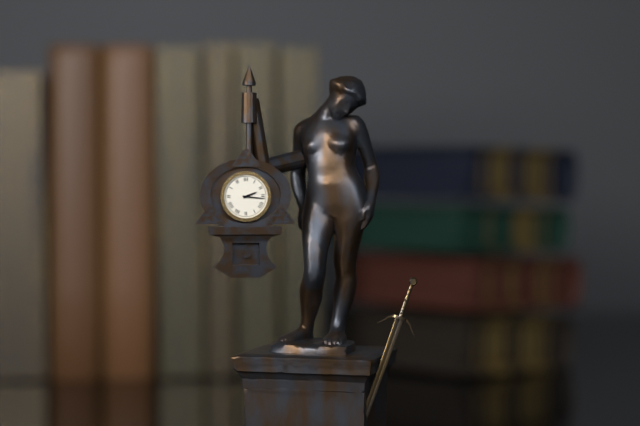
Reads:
{"hour": 2, "minute": 16}
